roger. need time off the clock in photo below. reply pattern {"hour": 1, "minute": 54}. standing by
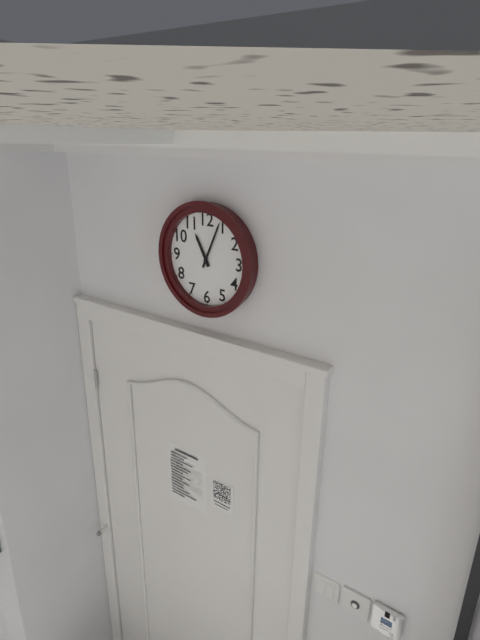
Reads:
{"hour": 11, "minute": 4}
